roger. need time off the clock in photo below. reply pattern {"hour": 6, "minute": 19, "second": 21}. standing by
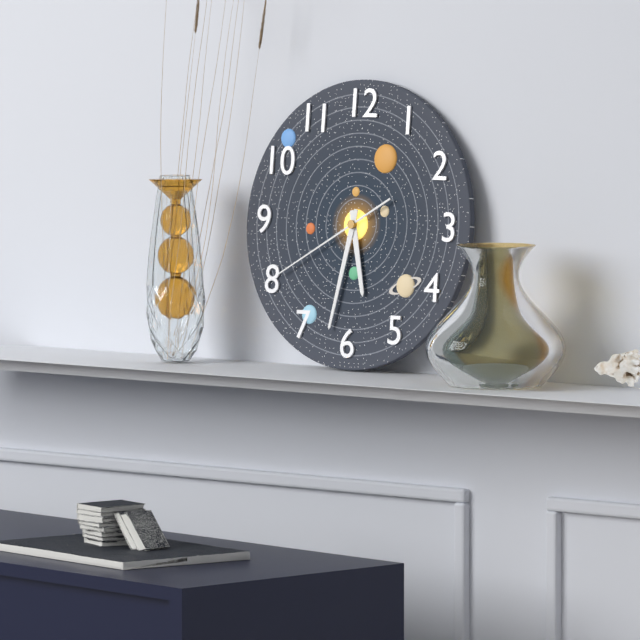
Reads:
{"hour": 5, "minute": 32, "second": 40}
